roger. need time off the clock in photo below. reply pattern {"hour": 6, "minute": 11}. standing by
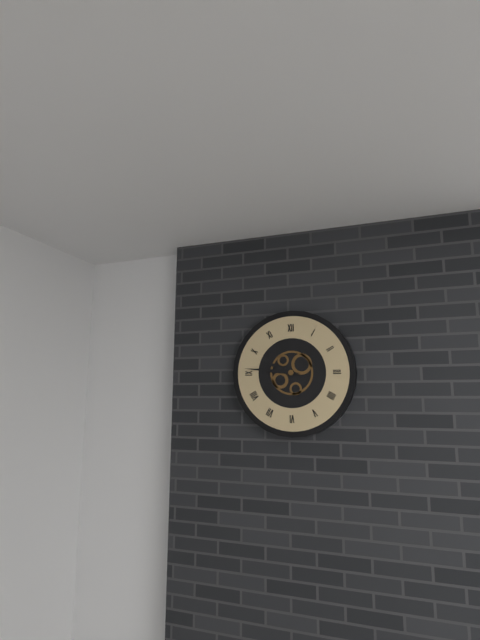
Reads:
{"hour": 9, "minute": 46}
